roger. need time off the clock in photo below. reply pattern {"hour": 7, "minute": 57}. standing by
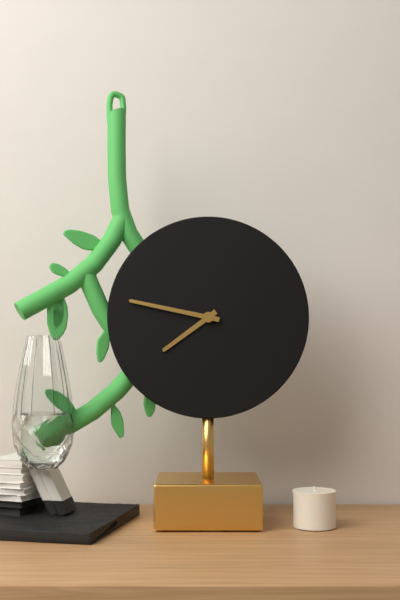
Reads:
{"hour": 7, "minute": 47}
